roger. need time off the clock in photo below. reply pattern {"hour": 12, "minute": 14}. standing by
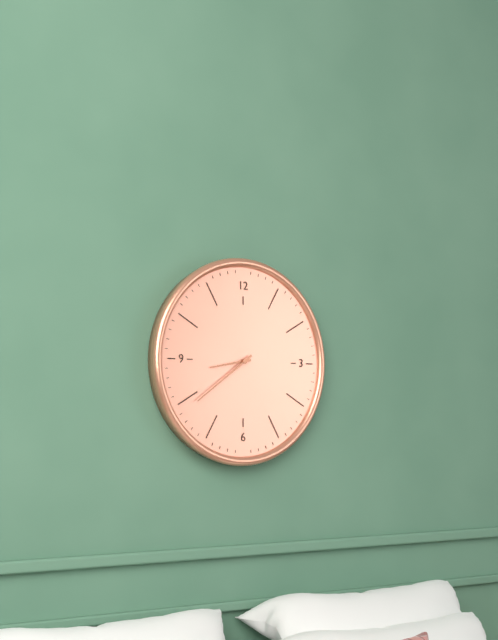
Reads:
{"hour": 8, "minute": 39}
